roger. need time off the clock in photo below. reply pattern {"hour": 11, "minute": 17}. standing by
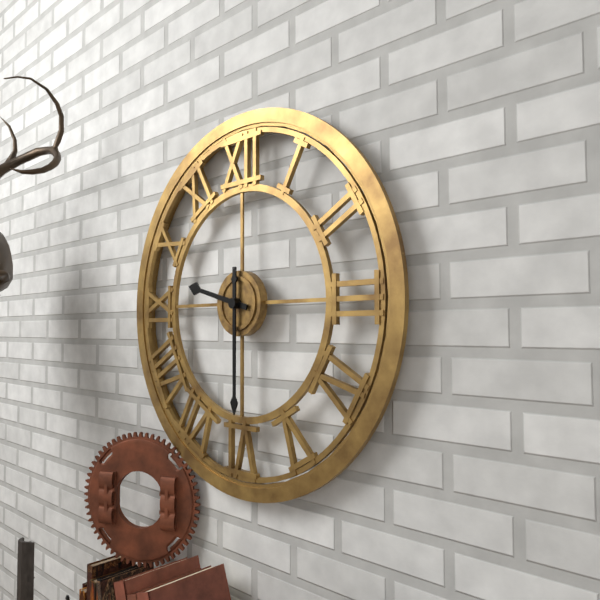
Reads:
{"hour": 9, "minute": 30}
